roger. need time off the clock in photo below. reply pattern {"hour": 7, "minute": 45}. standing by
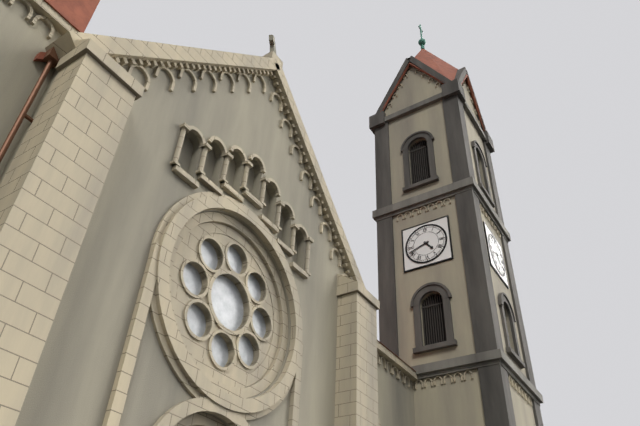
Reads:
{"hour": 4, "minute": 42}
